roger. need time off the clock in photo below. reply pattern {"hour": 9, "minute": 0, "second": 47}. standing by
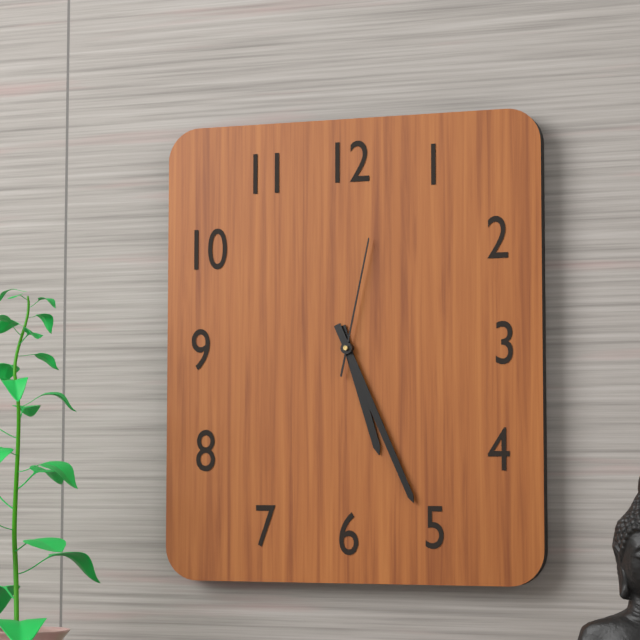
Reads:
{"hour": 5, "minute": 26, "second": 2}
